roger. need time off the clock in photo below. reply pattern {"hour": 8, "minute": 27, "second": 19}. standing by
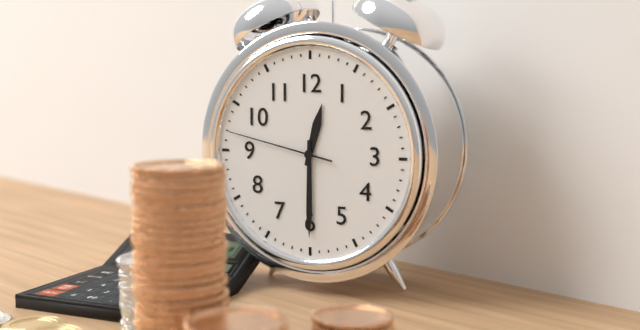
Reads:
{"hour": 12, "minute": 30, "second": 47}
